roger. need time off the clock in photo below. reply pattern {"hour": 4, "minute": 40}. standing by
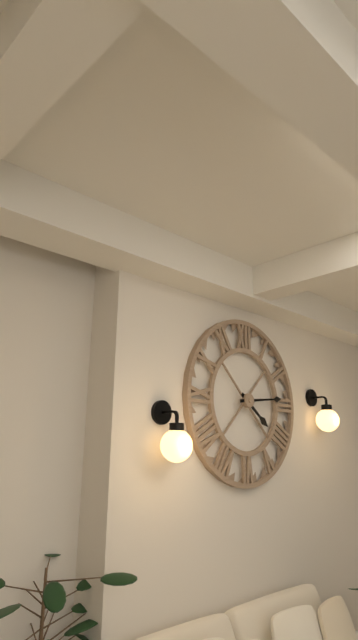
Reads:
{"hour": 4, "minute": 14}
